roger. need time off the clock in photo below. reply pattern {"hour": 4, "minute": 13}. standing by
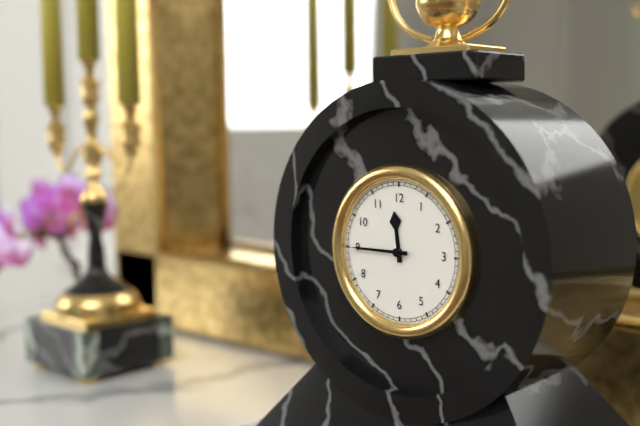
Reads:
{"hour": 11, "minute": 45}
